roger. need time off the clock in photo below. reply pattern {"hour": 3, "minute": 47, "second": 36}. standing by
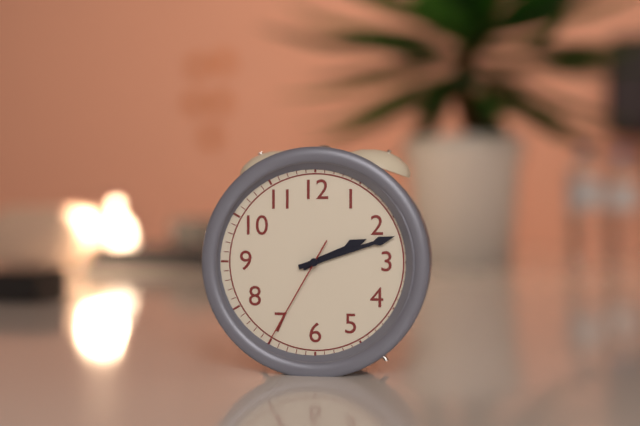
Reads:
{"hour": 2, "minute": 12, "second": 35}
